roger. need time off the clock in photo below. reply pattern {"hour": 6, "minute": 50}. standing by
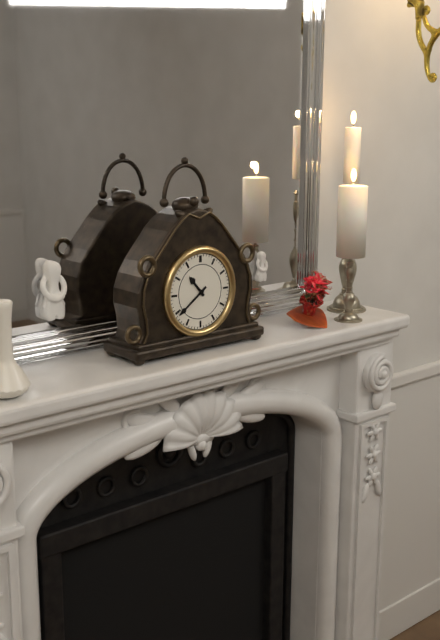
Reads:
{"hour": 10, "minute": 39}
